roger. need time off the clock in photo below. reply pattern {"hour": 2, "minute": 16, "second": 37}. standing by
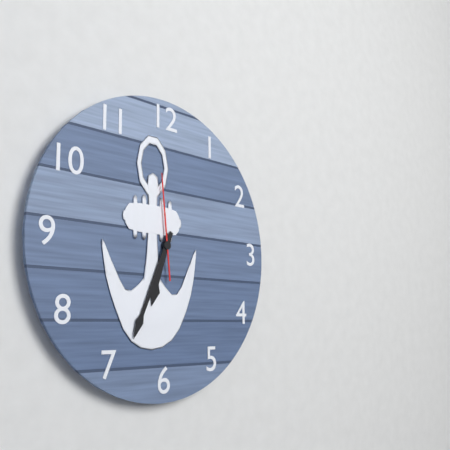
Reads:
{"hour": 6, "minute": 34, "second": 59}
